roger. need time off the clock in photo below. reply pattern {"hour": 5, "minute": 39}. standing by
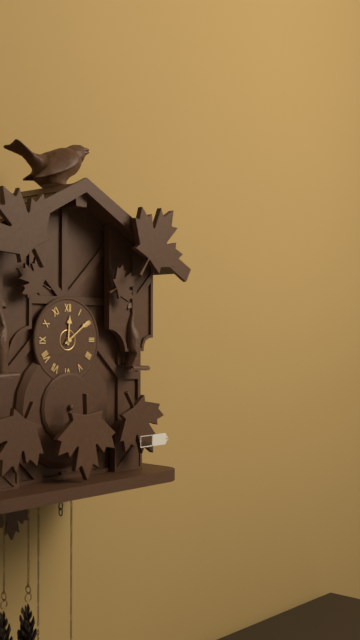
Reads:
{"hour": 12, "minute": 9}
